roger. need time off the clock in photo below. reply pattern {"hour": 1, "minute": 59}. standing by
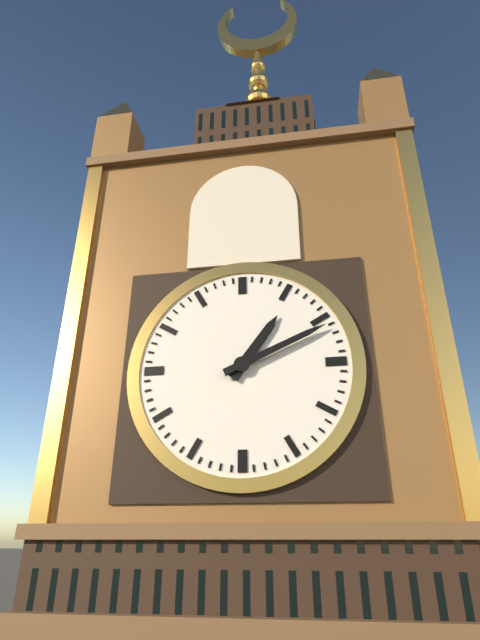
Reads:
{"hour": 1, "minute": 11}
